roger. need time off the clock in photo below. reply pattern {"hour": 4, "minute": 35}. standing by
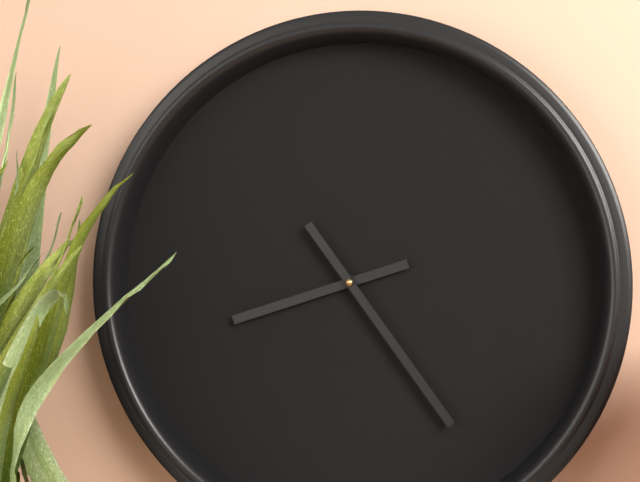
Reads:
{"hour": 8, "minute": 24}
